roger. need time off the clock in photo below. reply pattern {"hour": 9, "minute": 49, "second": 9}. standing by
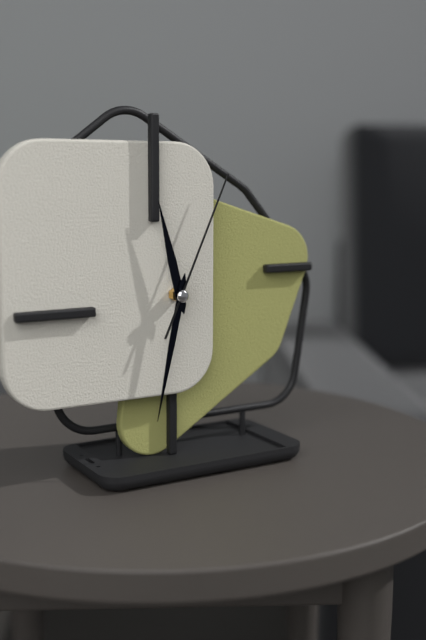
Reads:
{"hour": 11, "minute": 32, "second": 4}
